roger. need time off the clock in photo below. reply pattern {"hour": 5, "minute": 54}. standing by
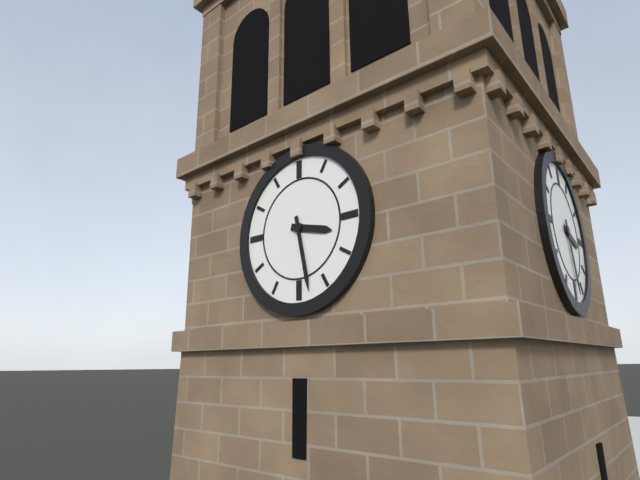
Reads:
{"hour": 3, "minute": 28}
